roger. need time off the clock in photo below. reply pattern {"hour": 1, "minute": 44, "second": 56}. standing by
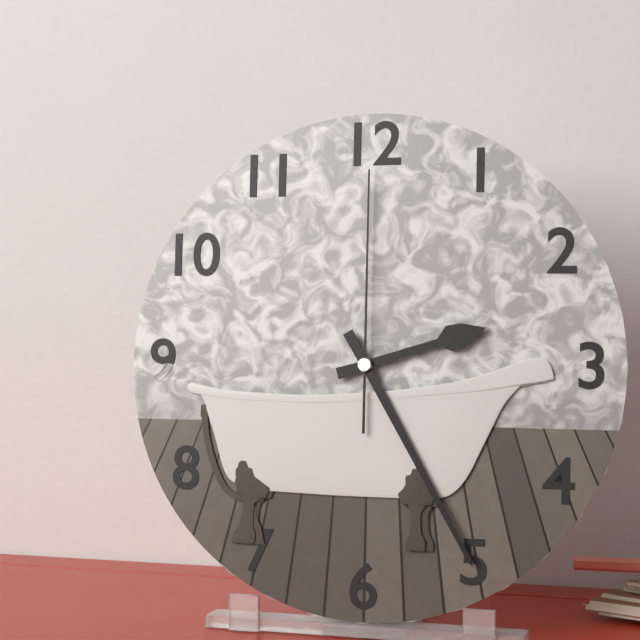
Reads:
{"hour": 2, "minute": 25, "second": 0}
